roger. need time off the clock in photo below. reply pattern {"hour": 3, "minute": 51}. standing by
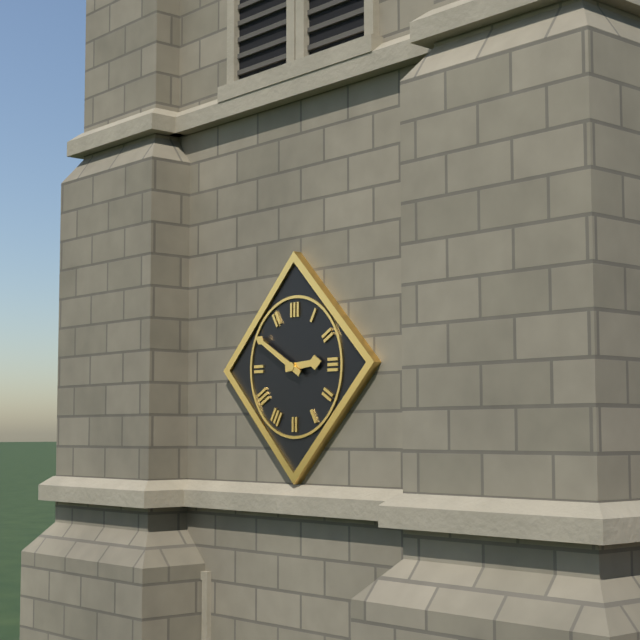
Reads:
{"hour": 2, "minute": 50}
